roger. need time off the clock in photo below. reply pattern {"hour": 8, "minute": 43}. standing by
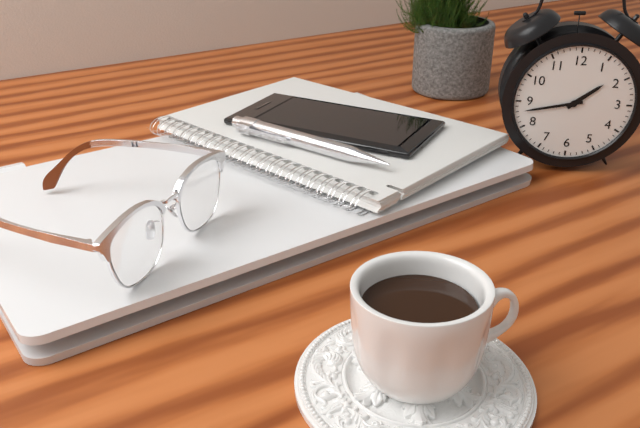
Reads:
{"hour": 1, "minute": 43}
